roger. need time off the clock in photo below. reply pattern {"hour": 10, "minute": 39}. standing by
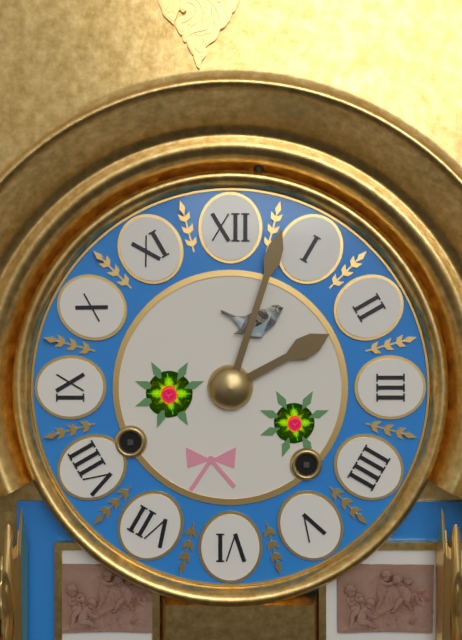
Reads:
{"hour": 2, "minute": 3}
